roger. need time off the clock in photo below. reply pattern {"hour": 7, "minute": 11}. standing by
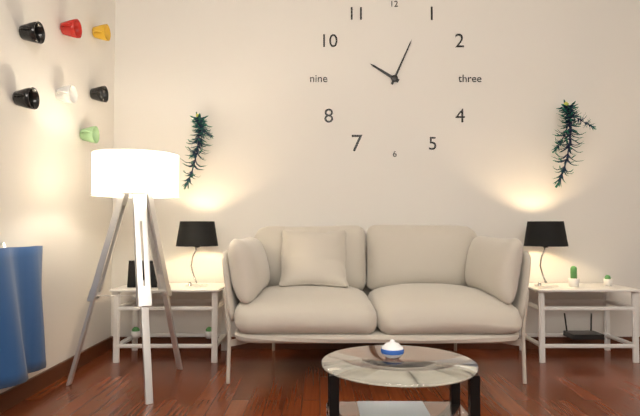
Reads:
{"hour": 10, "minute": 4}
